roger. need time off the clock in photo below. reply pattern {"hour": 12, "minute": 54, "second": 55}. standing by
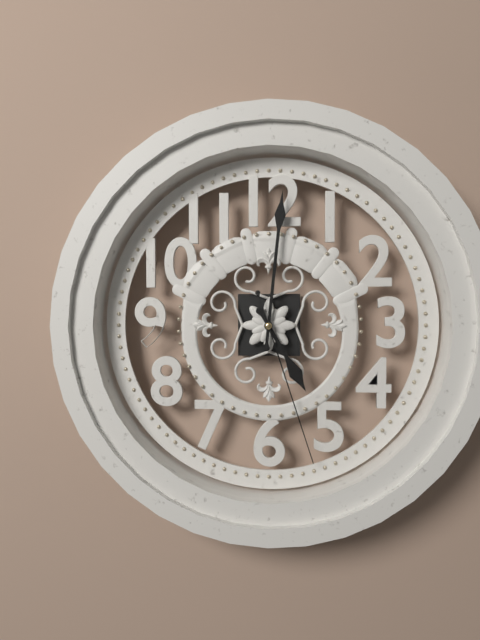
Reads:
{"hour": 5, "minute": 1, "second": 27}
